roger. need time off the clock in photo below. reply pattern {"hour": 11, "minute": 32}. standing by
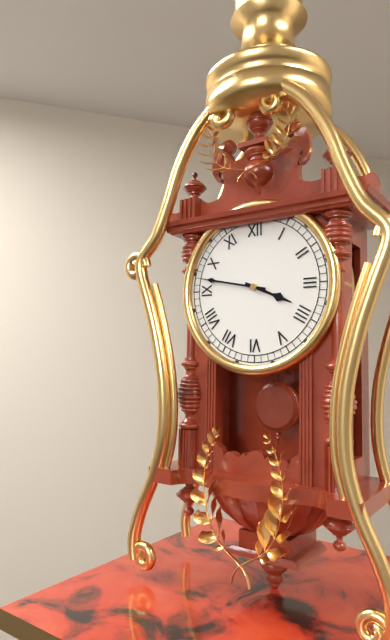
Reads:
{"hour": 3, "minute": 47}
